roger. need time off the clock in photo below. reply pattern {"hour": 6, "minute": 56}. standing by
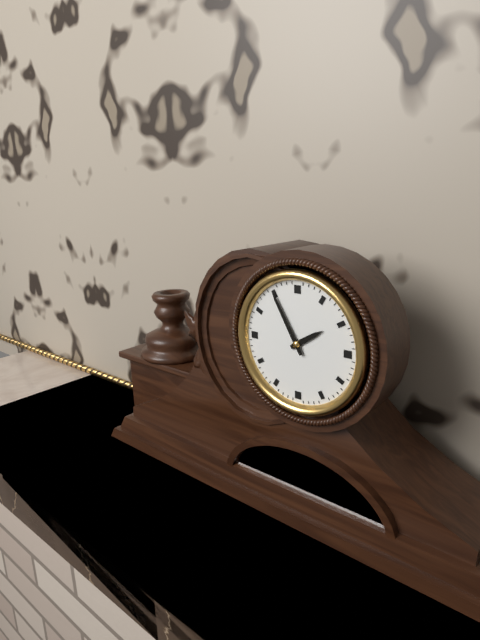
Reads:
{"hour": 1, "minute": 55}
